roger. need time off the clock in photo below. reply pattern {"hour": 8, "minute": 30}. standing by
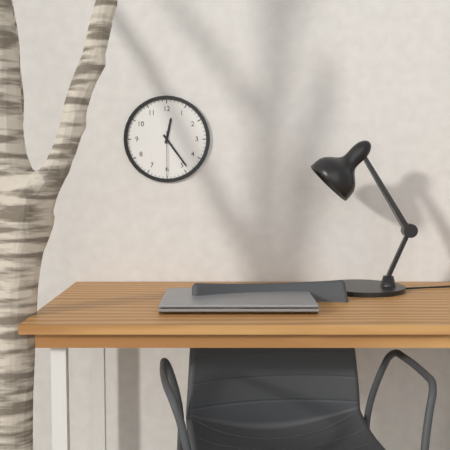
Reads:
{"hour": 12, "minute": 24}
